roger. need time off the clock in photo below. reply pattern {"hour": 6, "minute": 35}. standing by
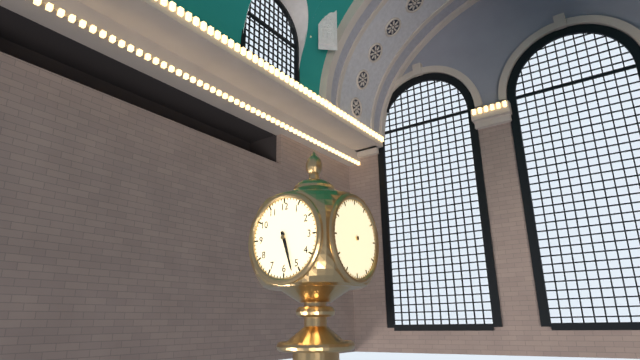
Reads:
{"hour": 5, "minute": 27}
